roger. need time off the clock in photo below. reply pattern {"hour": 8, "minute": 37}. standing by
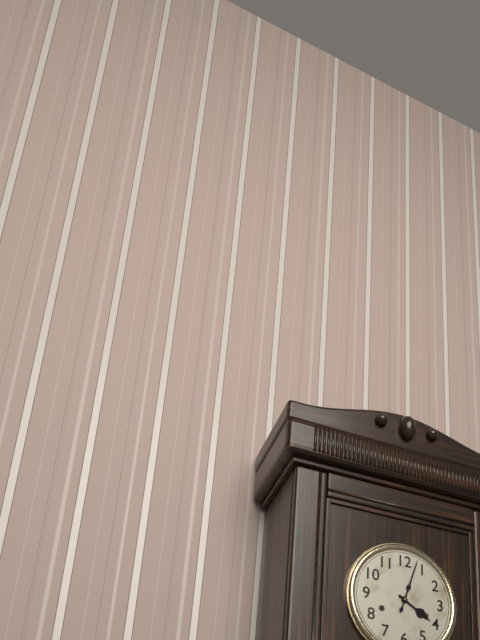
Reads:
{"hour": 4, "minute": 3}
